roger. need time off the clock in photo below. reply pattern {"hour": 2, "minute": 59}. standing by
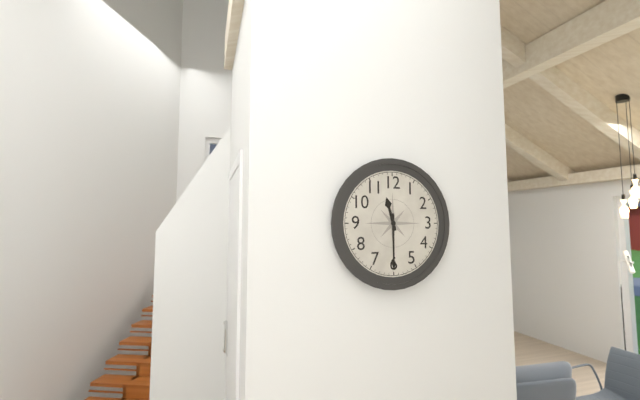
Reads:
{"hour": 11, "minute": 30}
